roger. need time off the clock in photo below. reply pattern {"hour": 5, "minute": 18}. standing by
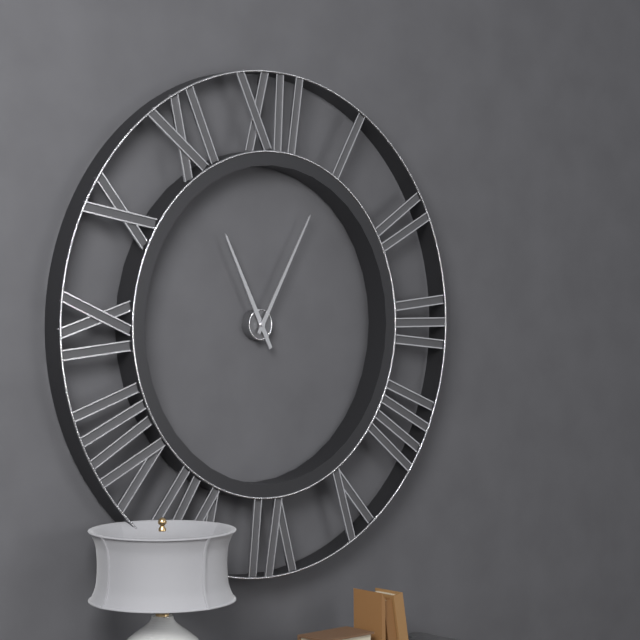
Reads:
{"hour": 11, "minute": 5}
